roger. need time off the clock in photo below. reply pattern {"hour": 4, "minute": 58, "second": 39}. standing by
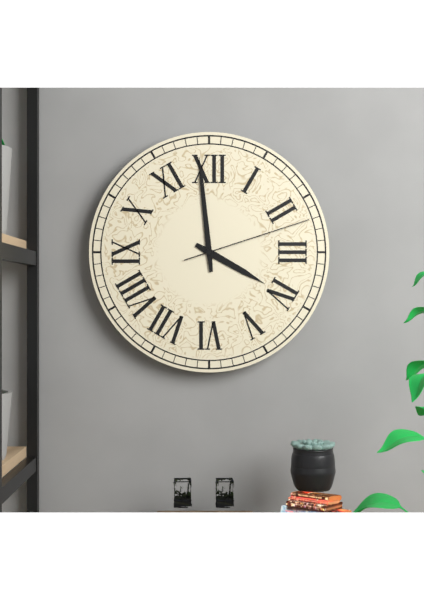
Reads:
{"hour": 3, "minute": 59, "second": 12}
